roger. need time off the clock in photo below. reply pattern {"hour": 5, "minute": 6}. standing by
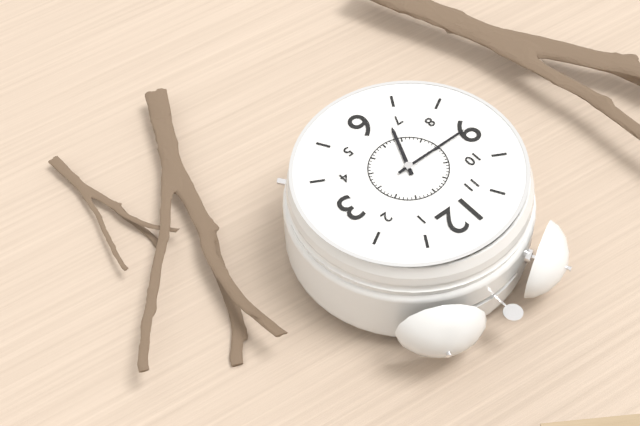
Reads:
{"hour": 6, "minute": 45}
